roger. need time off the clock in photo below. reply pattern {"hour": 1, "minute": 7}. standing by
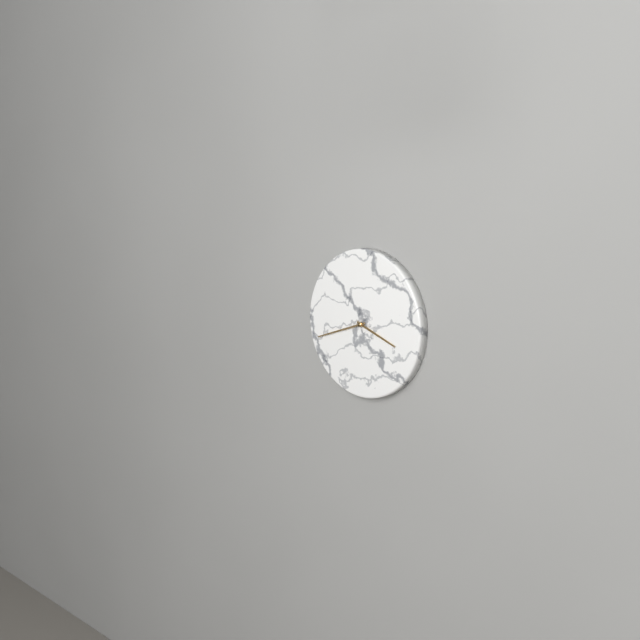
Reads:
{"hour": 3, "minute": 42}
